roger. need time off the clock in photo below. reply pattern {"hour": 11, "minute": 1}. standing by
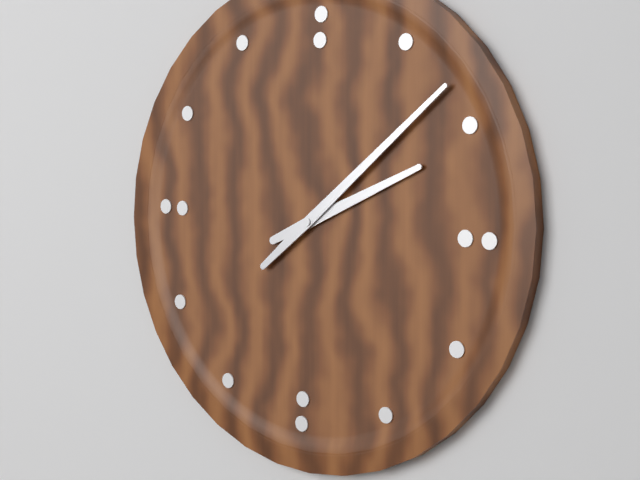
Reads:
{"hour": 2, "minute": 8}
